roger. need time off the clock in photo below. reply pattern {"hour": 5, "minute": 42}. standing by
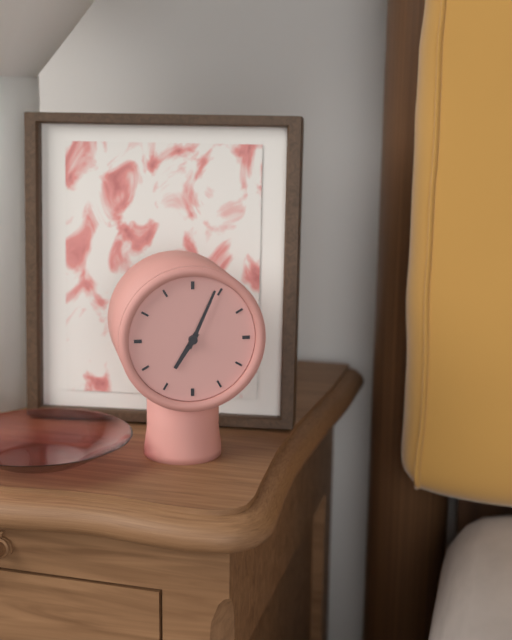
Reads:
{"hour": 7, "minute": 4}
